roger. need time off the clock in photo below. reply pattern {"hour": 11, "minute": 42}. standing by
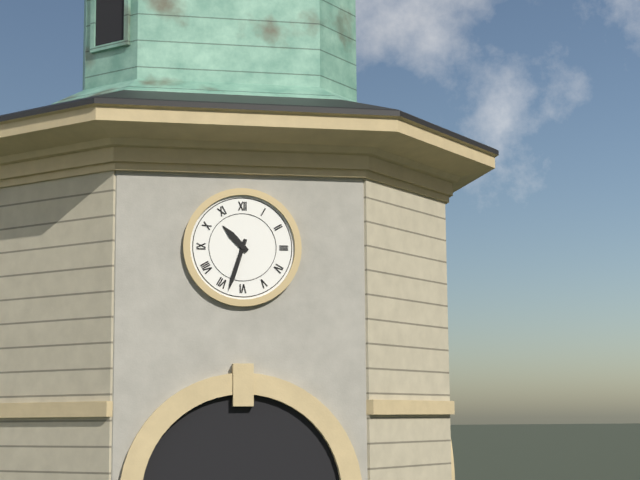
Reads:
{"hour": 10, "minute": 33}
